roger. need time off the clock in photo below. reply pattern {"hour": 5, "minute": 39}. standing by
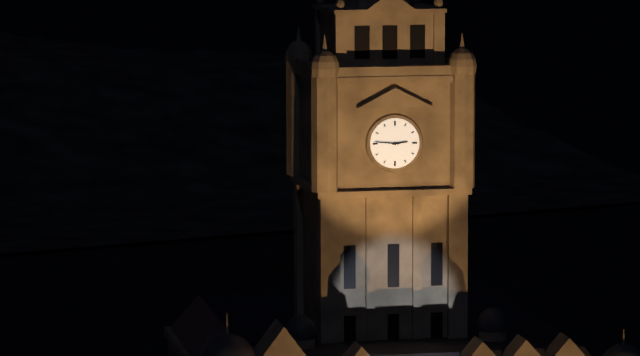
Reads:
{"hour": 2, "minute": 46}
